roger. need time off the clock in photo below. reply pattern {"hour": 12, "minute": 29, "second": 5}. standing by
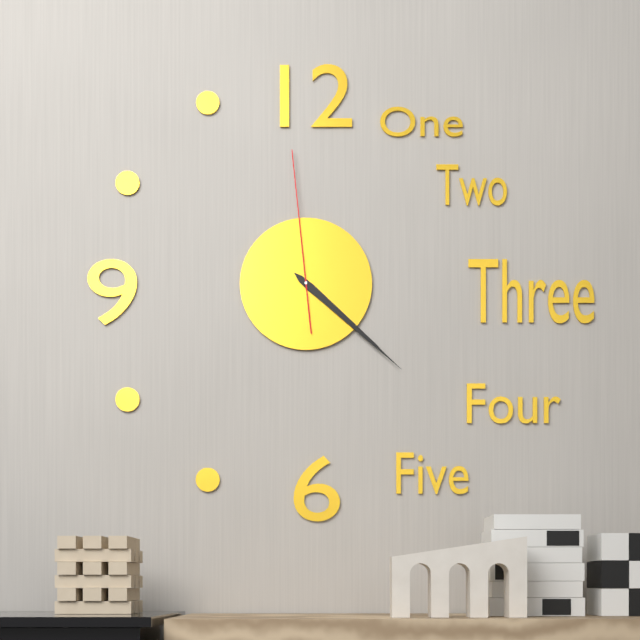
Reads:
{"hour": 4, "minute": 22, "second": 59}
